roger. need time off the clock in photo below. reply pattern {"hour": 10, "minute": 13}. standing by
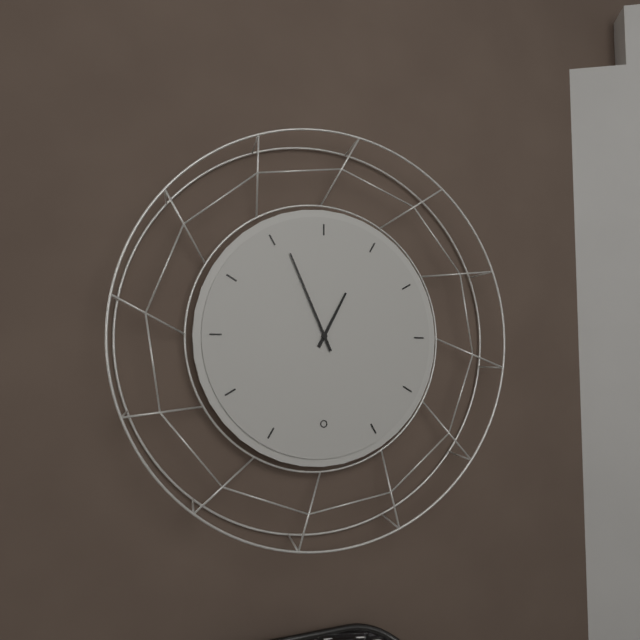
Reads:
{"hour": 12, "minute": 56}
